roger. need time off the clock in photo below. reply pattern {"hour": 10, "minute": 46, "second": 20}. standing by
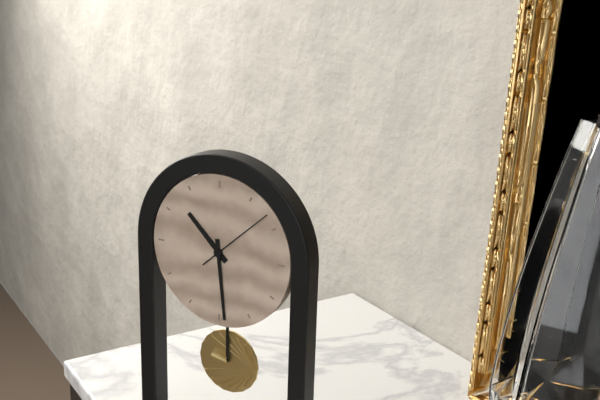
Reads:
{"hour": 10, "minute": 29, "second": 8}
